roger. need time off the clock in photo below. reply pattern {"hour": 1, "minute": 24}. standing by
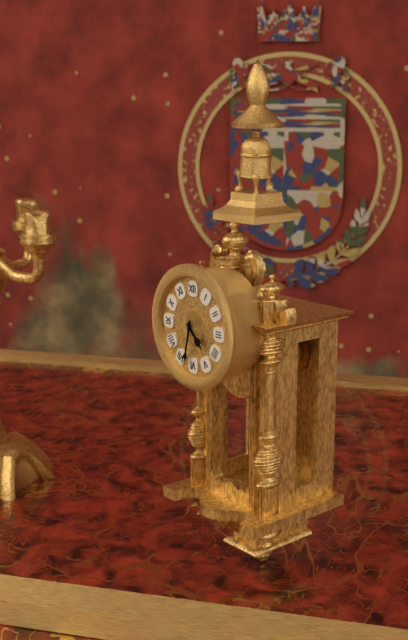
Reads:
{"hour": 4, "minute": 32}
